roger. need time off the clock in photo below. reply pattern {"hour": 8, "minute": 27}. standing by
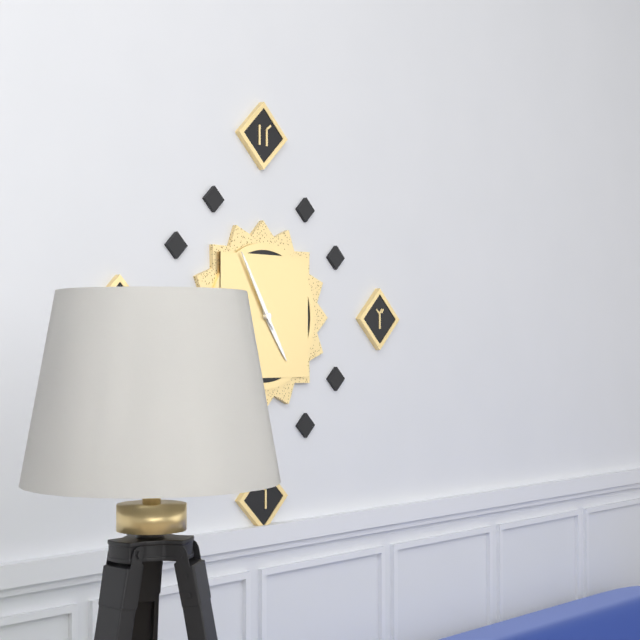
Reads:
{"hour": 4, "minute": 55}
